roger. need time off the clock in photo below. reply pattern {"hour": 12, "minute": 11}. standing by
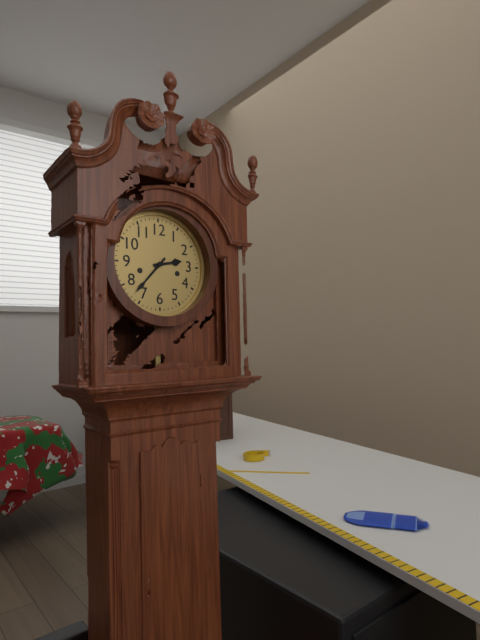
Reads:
{"hour": 2, "minute": 37}
